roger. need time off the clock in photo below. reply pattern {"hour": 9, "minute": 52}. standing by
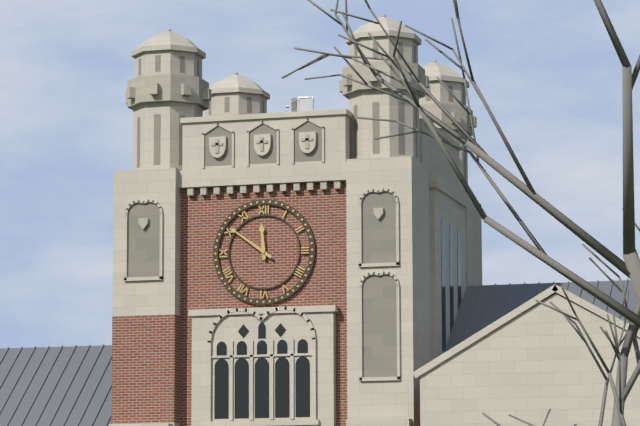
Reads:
{"hour": 11, "minute": 51}
